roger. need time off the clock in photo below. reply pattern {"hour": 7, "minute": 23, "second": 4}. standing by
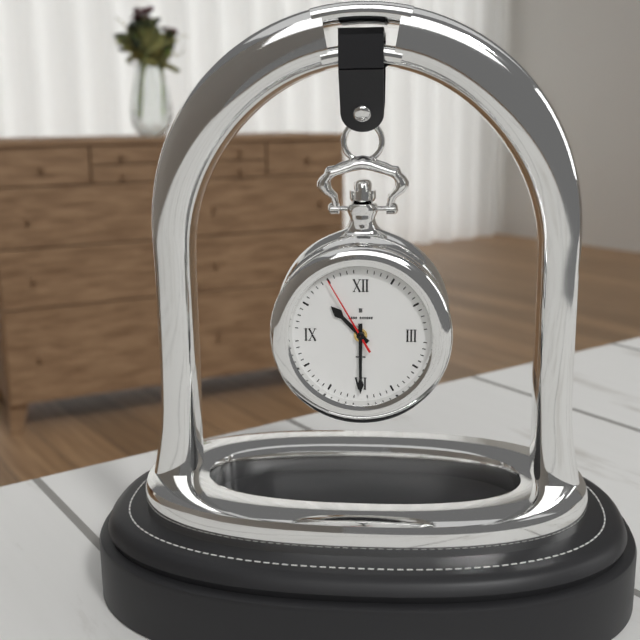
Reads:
{"hour": 10, "minute": 30, "second": 55}
